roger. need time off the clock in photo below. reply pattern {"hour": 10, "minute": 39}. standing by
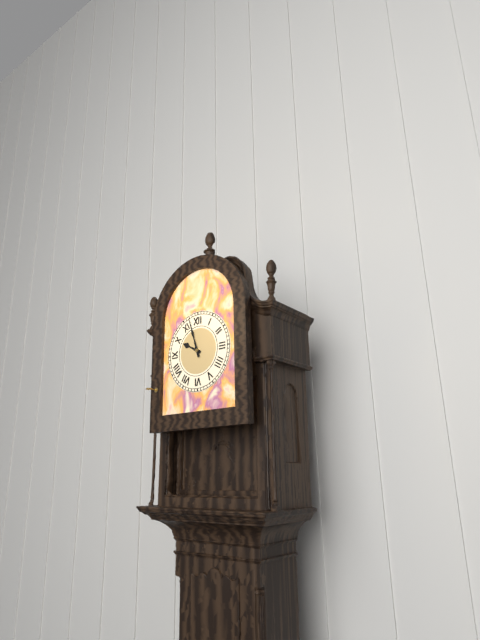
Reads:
{"hour": 9, "minute": 57}
